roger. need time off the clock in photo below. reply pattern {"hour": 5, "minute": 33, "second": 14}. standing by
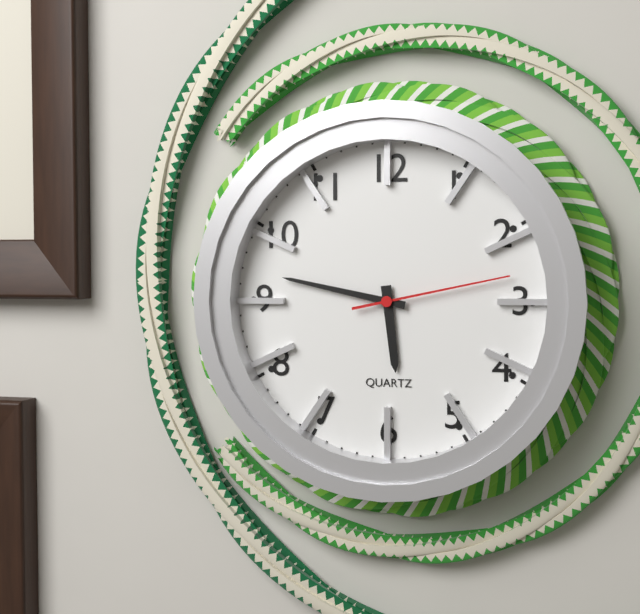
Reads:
{"hour": 5, "minute": 47, "second": 13}
